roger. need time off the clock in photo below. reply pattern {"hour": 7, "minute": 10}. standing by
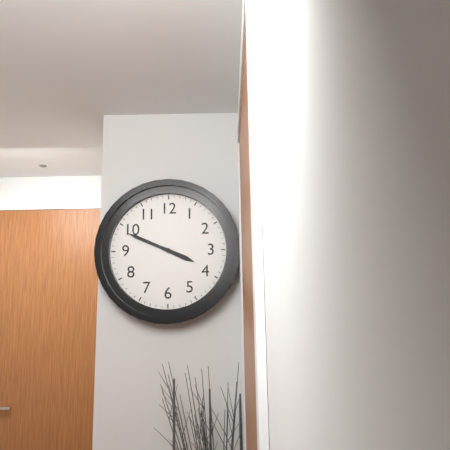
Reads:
{"hour": 3, "minute": 49}
